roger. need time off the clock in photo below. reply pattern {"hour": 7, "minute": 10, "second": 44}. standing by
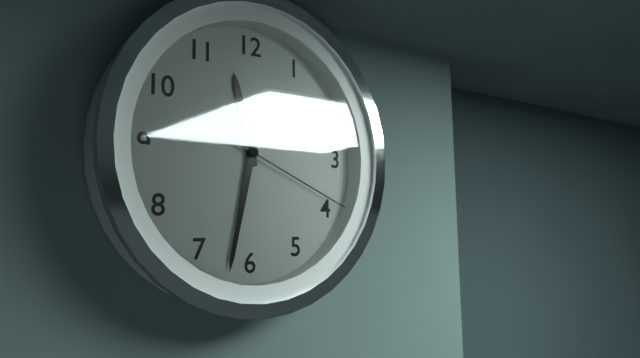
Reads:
{"hour": 11, "minute": 32, "second": 19}
